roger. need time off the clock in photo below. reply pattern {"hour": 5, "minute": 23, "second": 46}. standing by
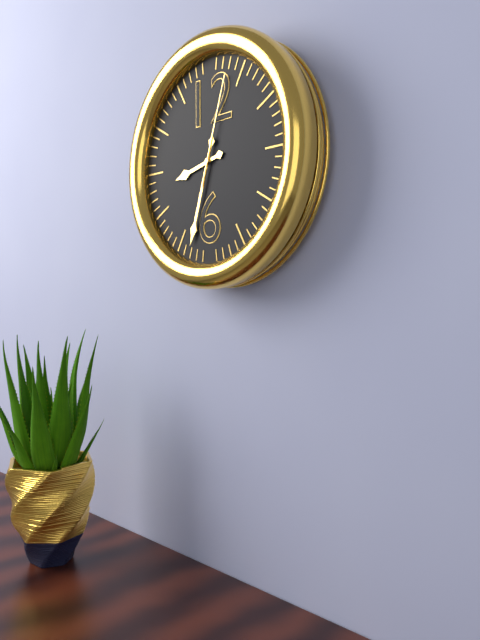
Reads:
{"hour": 8, "minute": 33, "second": 3}
